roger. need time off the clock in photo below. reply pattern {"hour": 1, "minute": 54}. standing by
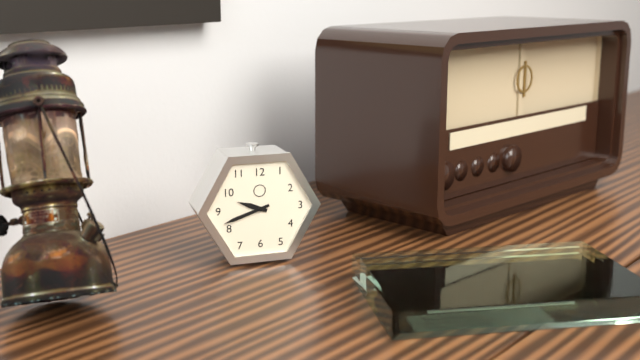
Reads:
{"hour": 9, "minute": 42}
